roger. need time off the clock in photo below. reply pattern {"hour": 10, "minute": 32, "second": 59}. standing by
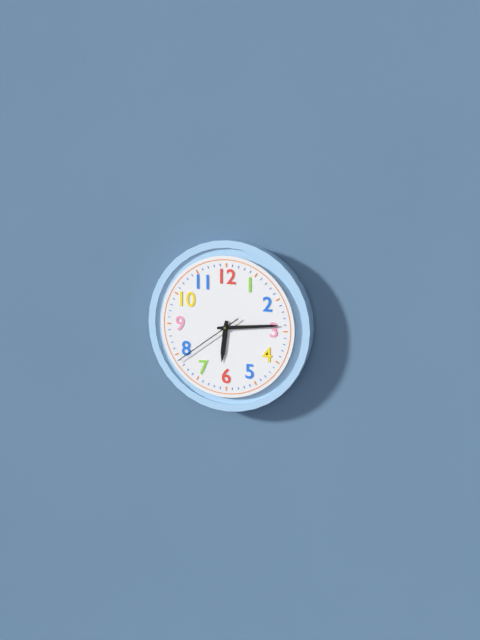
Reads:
{"hour": 6, "minute": 14, "second": 39}
